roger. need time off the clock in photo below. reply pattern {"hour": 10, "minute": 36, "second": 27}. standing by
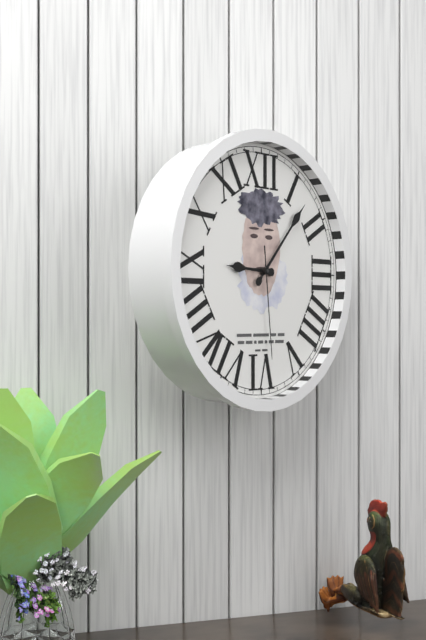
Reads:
{"hour": 9, "minute": 7, "second": 29}
